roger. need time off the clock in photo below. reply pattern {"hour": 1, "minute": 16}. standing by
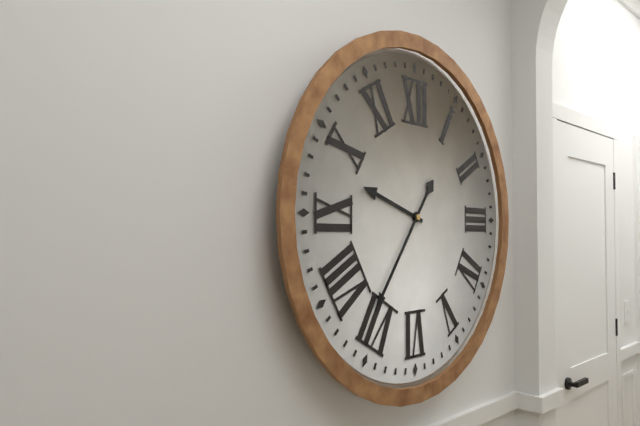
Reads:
{"hour": 9, "minute": 36}
